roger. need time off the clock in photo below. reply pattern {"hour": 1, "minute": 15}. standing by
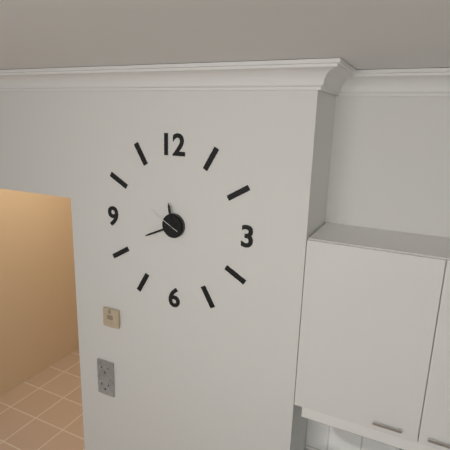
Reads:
{"hour": 11, "minute": 41}
